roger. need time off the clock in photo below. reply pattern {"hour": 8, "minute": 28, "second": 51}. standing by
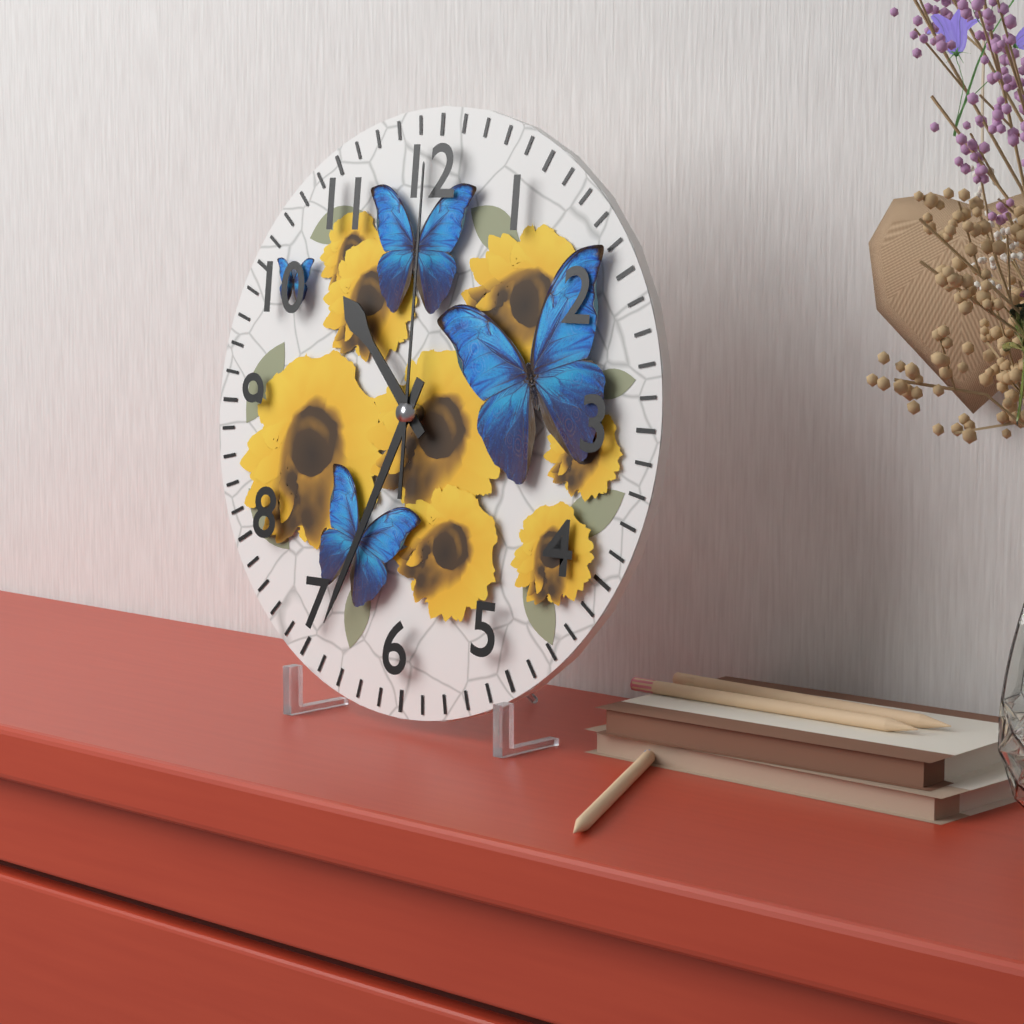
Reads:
{"hour": 10, "minute": 34, "second": 0}
